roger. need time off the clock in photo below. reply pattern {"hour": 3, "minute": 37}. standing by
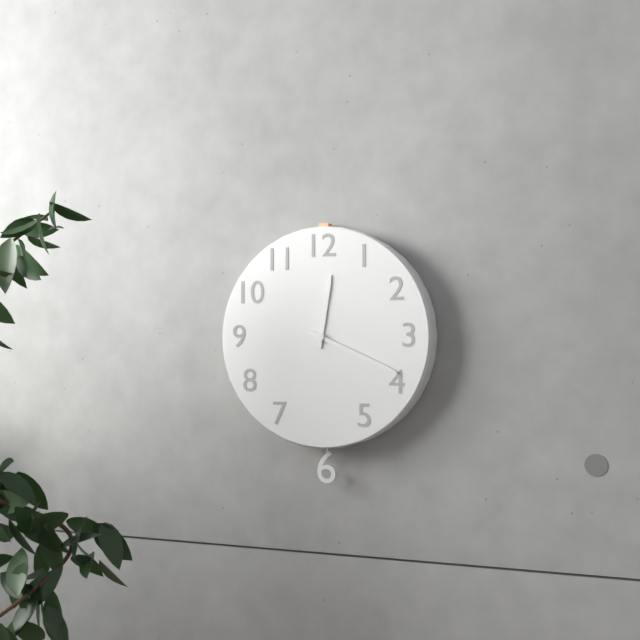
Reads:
{"hour": 12, "minute": 19}
